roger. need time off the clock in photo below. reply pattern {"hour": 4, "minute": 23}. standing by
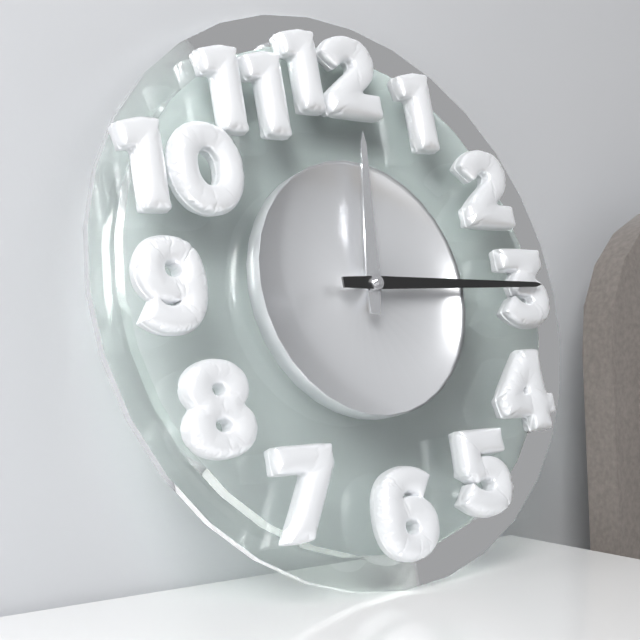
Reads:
{"hour": 12, "minute": 15}
